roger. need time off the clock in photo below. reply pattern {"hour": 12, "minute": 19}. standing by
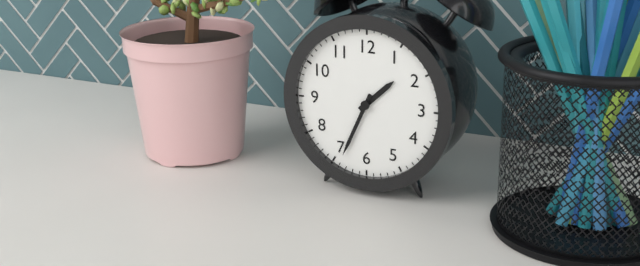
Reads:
{"hour": 1, "minute": 34}
